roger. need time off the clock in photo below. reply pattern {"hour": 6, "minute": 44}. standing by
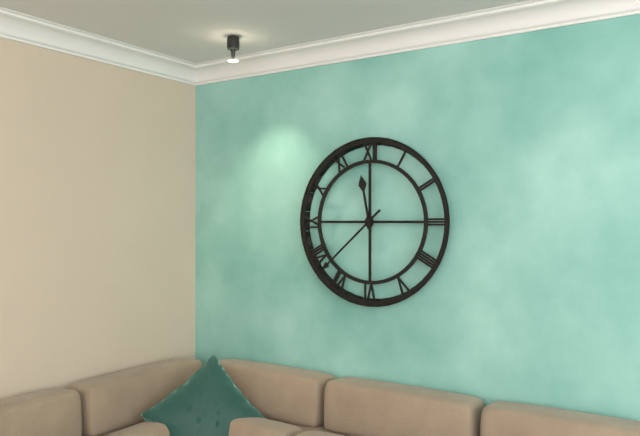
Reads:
{"hour": 11, "minute": 38}
